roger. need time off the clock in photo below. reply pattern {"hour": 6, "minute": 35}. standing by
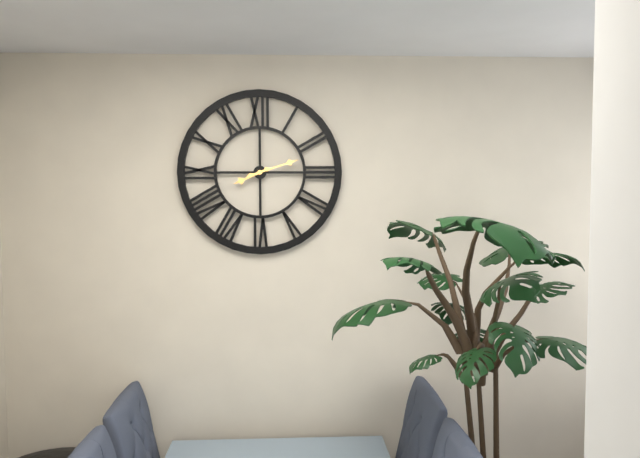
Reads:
{"hour": 8, "minute": 12}
